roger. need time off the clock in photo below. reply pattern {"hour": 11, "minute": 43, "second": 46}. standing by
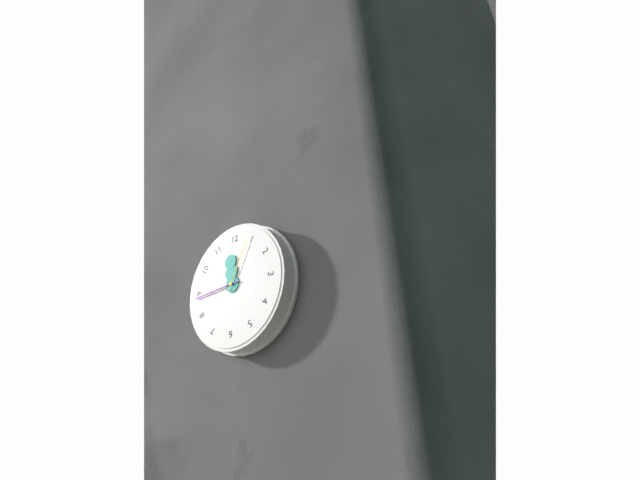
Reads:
{"hour": 11, "minute": 44, "second": 4}
